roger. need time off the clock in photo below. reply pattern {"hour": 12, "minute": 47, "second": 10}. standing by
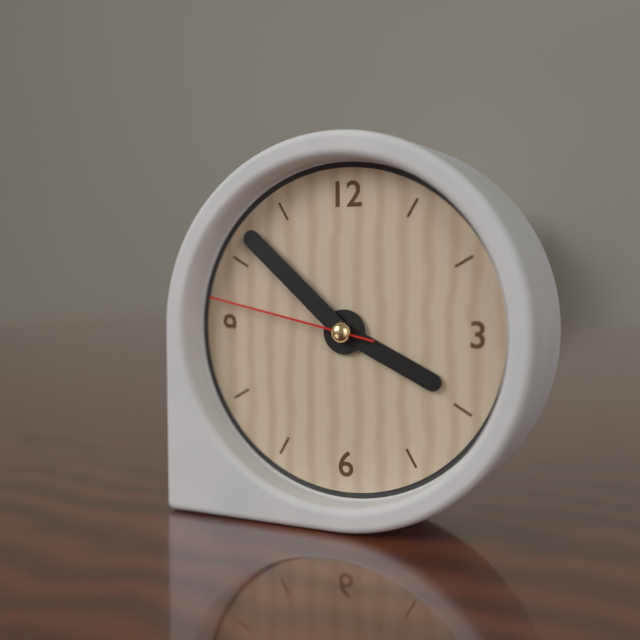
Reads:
{"hour": 3, "minute": 52, "second": 47}
